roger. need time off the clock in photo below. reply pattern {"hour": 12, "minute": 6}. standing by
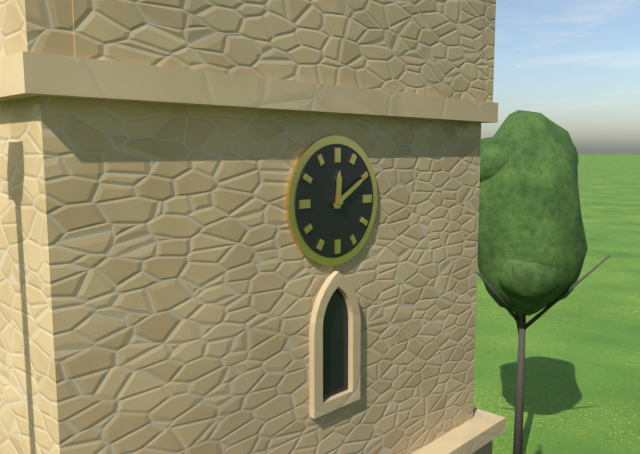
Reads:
{"hour": 12, "minute": 10}
